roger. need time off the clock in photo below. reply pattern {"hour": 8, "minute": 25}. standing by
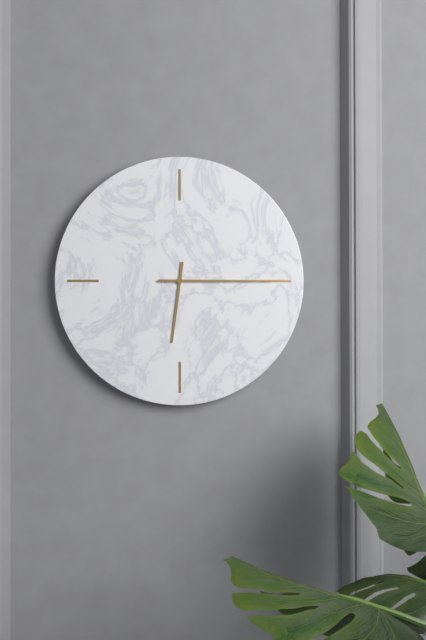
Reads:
{"hour": 6, "minute": 15}
